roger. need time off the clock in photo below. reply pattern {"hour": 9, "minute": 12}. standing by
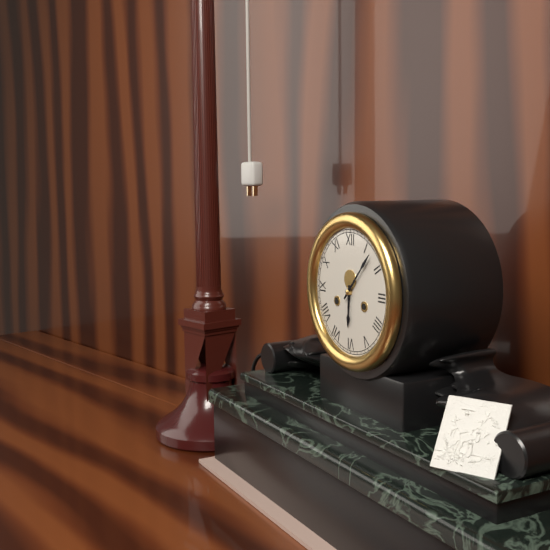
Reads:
{"hour": 6, "minute": 7}
